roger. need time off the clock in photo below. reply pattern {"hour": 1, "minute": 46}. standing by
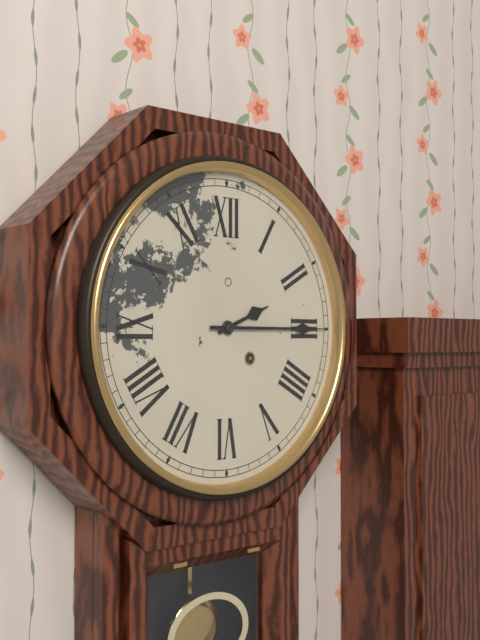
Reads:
{"hour": 2, "minute": 15}
